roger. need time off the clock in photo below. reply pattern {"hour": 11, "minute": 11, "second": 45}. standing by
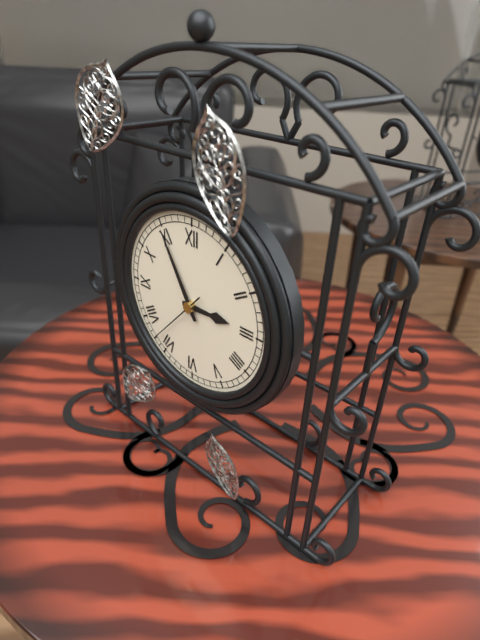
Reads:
{"hour": 2, "minute": 55, "second": 37}
